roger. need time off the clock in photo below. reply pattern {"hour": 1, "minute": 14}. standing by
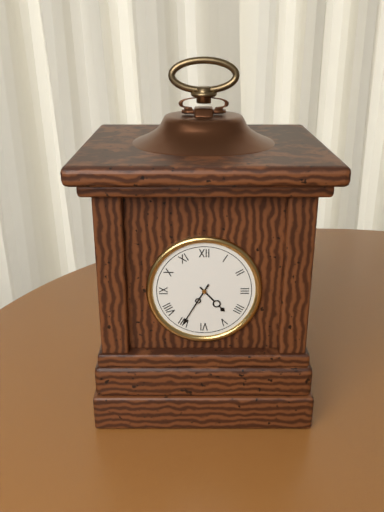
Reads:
{"hour": 4, "minute": 35}
